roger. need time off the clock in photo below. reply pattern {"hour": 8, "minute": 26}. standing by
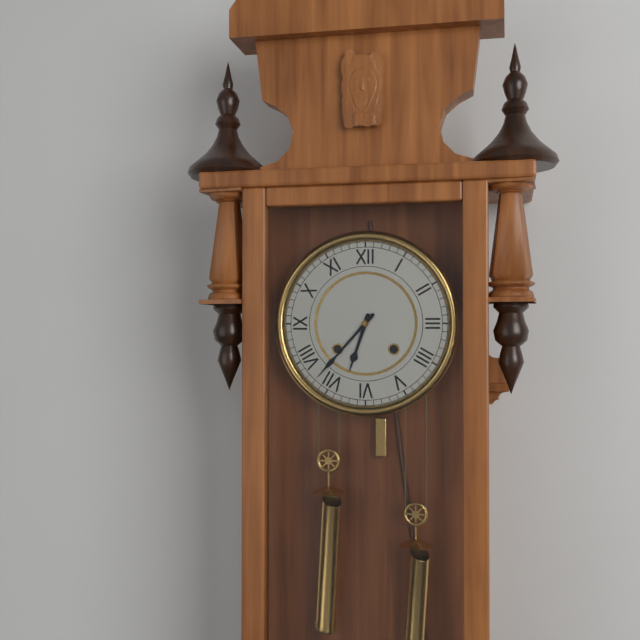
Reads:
{"hour": 6, "minute": 37}
